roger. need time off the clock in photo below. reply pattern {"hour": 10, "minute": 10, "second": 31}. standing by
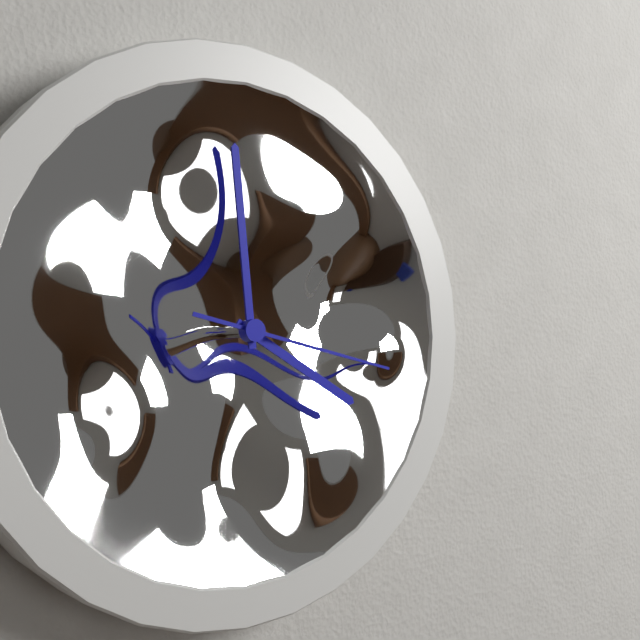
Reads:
{"hour": 3, "minute": 59, "second": 17}
